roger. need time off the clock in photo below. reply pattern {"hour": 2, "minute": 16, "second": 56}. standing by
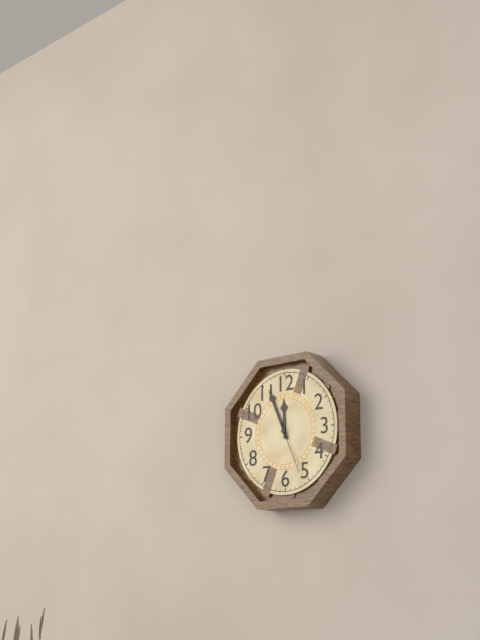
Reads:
{"hour": 11, "minute": 56, "second": 26}
